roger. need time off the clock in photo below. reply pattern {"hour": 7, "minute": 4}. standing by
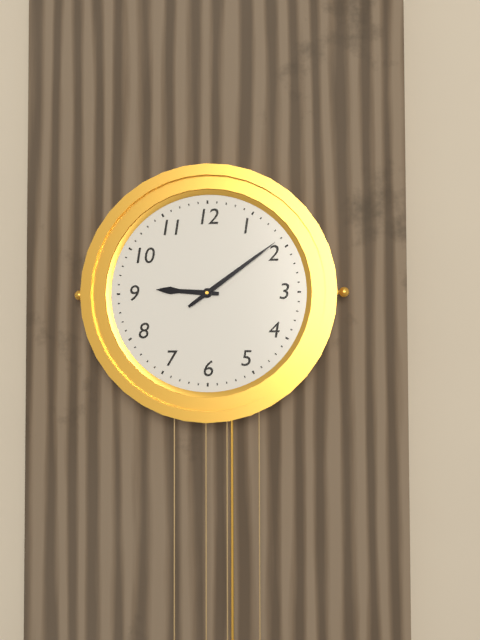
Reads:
{"hour": 9, "minute": 9}
